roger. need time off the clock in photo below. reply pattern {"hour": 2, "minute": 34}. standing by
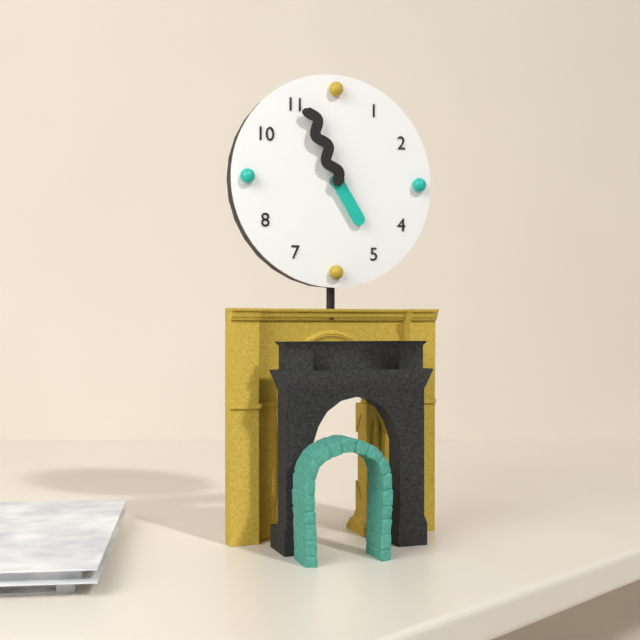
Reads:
{"hour": 4, "minute": 56}
